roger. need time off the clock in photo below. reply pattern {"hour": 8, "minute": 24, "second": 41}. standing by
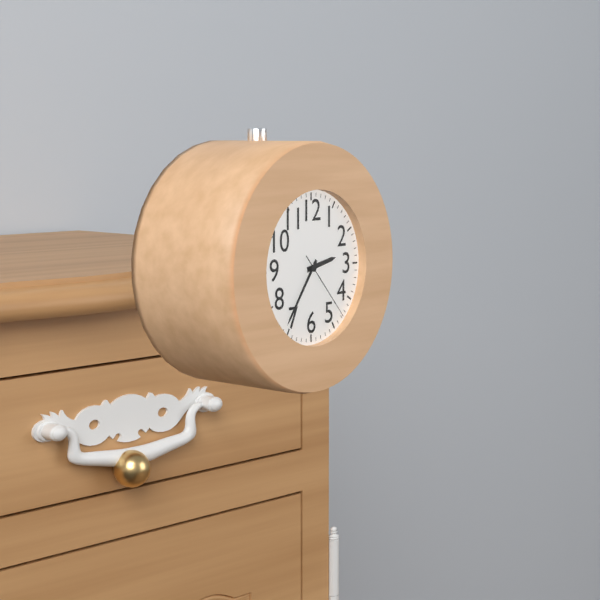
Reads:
{"hour": 2, "minute": 36, "second": 23}
